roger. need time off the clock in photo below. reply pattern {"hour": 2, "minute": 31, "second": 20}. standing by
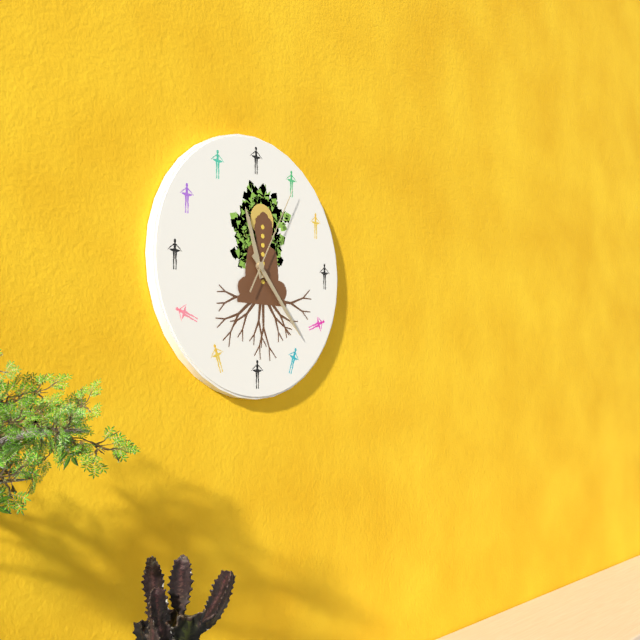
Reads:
{"hour": 11, "minute": 23, "second": 5}
